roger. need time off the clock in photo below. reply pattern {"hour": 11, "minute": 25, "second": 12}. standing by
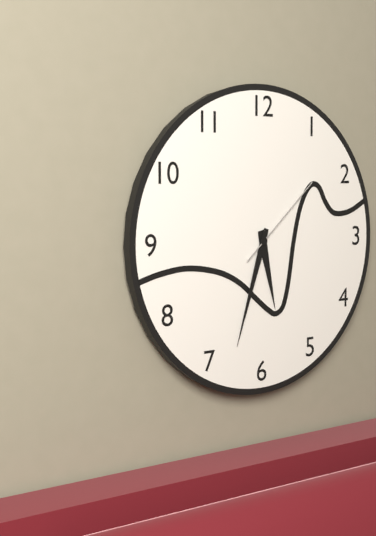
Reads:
{"hour": 5, "minute": 33, "second": 8}
